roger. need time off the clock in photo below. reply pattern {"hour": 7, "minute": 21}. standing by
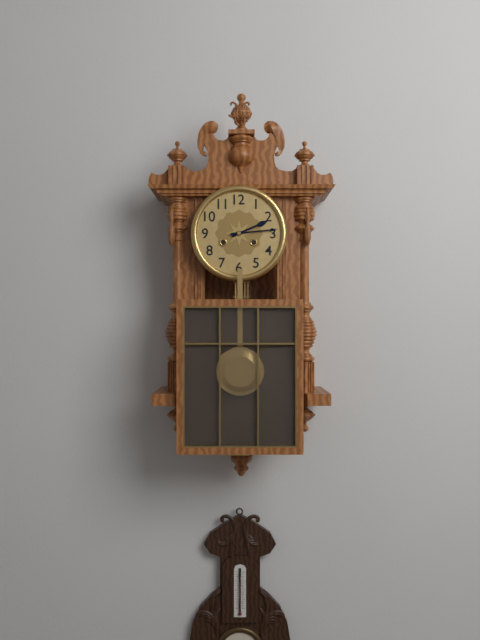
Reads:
{"hour": 2, "minute": 14}
